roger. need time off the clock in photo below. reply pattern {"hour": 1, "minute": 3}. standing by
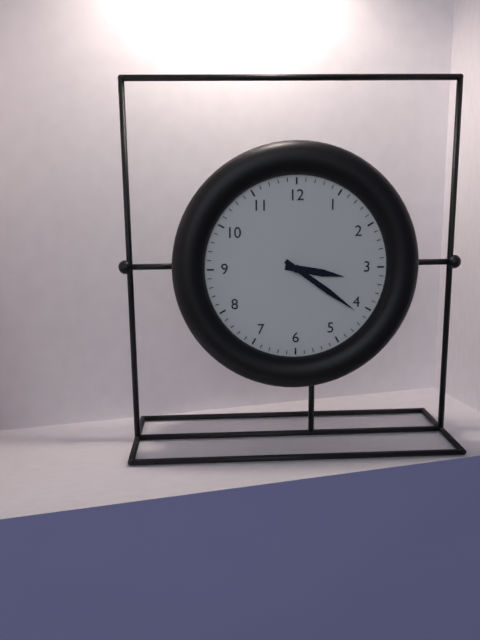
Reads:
{"hour": 3, "minute": 21}
